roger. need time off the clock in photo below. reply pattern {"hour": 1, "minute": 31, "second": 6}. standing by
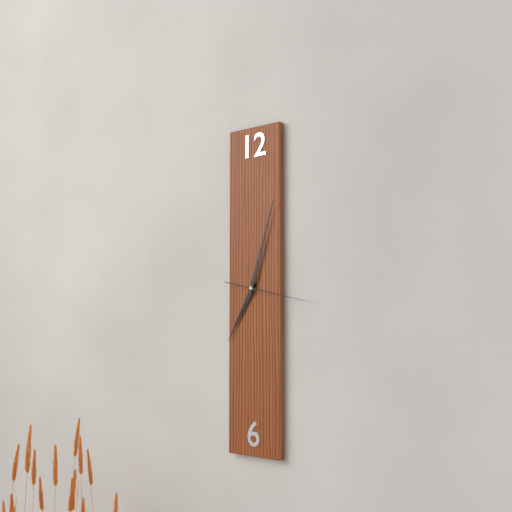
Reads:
{"hour": 7, "minute": 3, "second": 17}
